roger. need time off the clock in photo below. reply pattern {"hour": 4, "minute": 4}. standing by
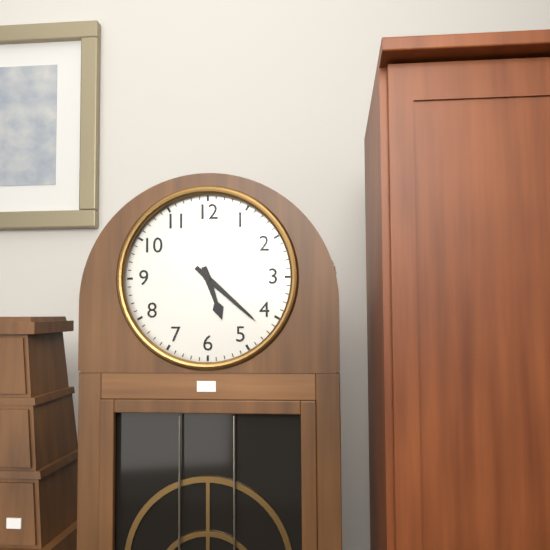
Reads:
{"hour": 5, "minute": 22}
